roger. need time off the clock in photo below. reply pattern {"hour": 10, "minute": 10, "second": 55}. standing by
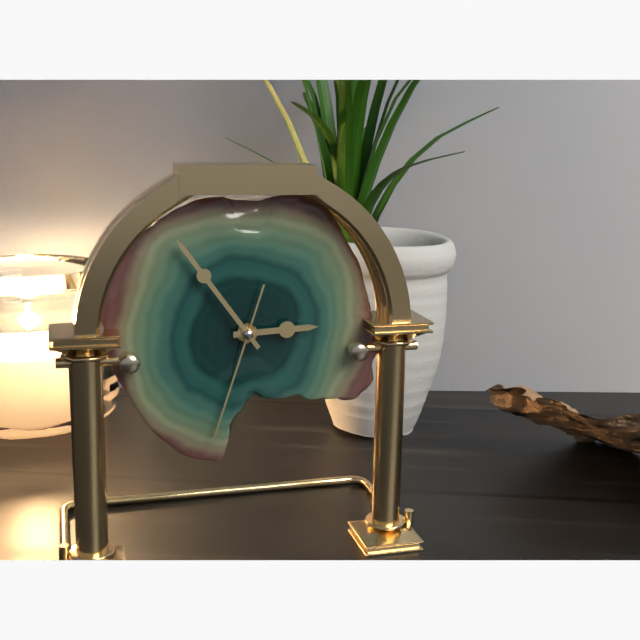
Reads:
{"hour": 2, "minute": 54, "second": 33}
